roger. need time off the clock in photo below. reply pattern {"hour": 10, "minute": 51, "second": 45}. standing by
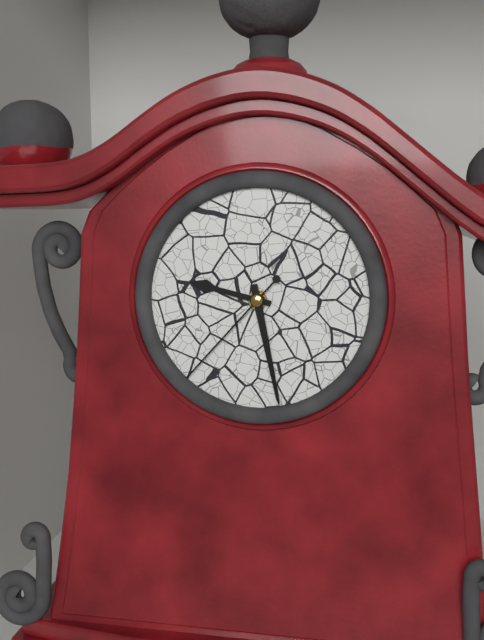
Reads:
{"hour": 9, "minute": 28, "second": 37}
